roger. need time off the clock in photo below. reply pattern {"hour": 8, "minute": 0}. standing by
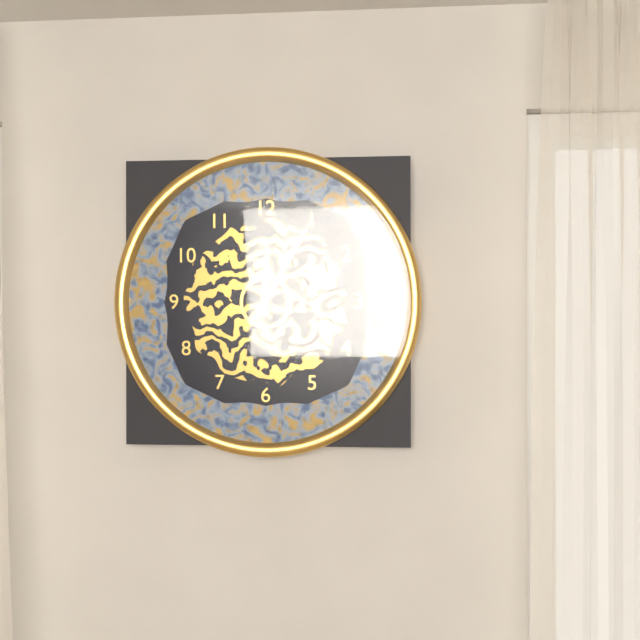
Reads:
{"hour": 12, "minute": 5}
